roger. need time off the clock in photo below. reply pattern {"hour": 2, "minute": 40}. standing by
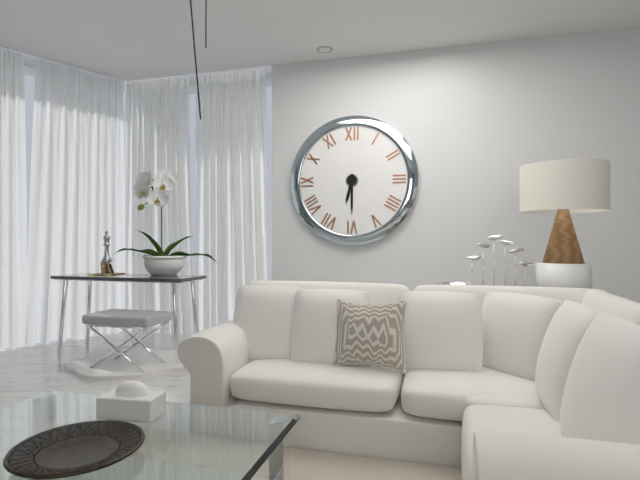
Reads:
{"hour": 6, "minute": 30}
